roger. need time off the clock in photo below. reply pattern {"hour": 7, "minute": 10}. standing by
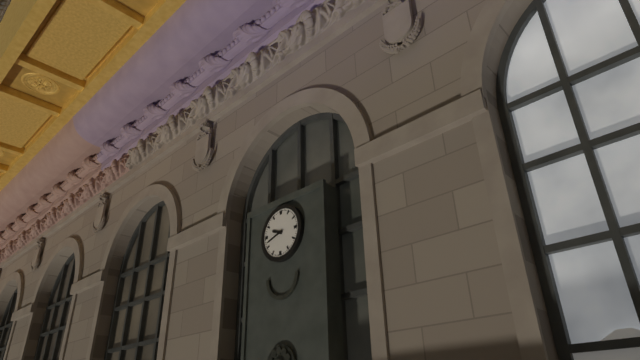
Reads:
{"hour": 9, "minute": 42}
